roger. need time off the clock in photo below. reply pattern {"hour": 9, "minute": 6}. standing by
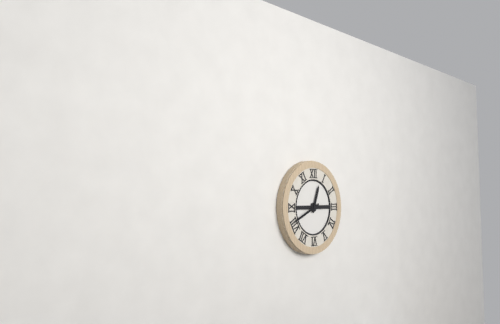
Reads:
{"hour": 12, "minute": 41}
